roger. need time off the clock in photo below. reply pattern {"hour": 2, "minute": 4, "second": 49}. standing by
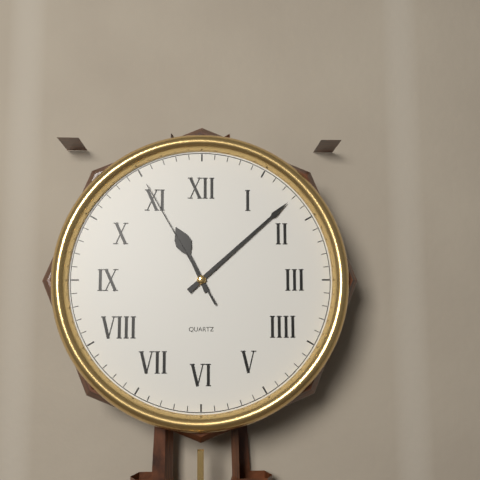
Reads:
{"hour": 11, "minute": 8, "second": 55}
